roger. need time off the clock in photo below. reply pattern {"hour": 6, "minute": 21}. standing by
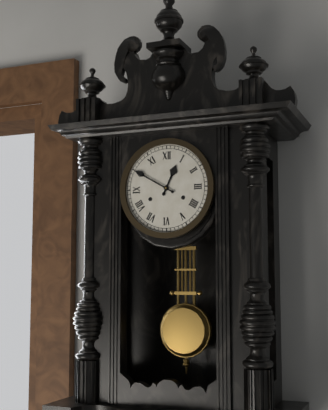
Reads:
{"hour": 12, "minute": 50}
